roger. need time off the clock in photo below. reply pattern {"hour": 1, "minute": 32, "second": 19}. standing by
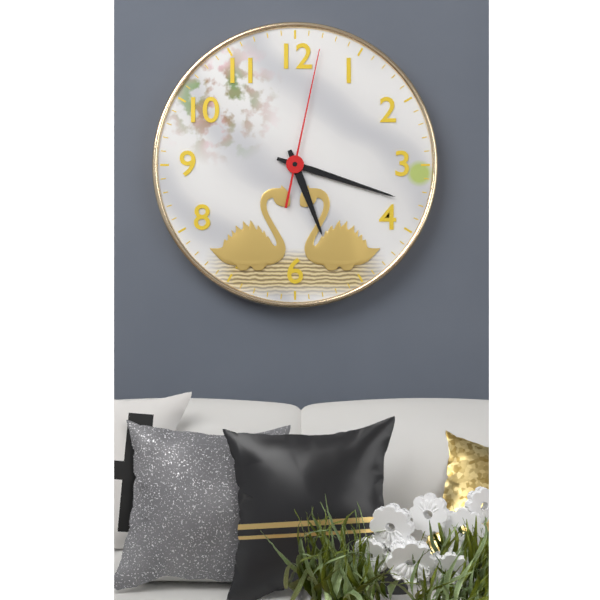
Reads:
{"hour": 5, "minute": 18, "second": 2}
